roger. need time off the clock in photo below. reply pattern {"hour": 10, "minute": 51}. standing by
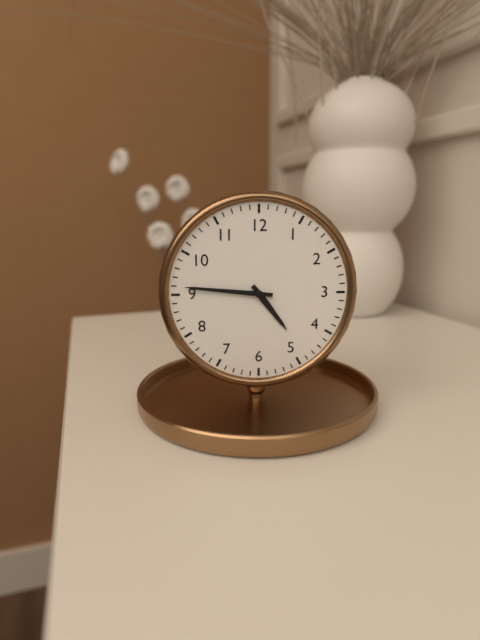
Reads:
{"hour": 4, "minute": 46}
